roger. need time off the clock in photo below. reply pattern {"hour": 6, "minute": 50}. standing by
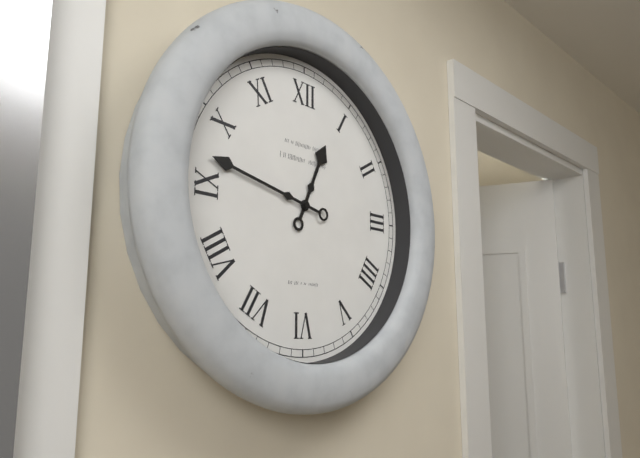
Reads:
{"hour": 12, "minute": 47}
